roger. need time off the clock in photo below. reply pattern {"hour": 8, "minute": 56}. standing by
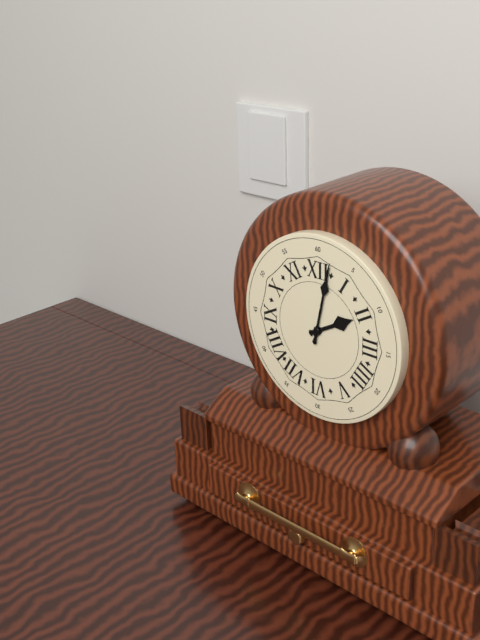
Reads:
{"hour": 2, "minute": 2}
